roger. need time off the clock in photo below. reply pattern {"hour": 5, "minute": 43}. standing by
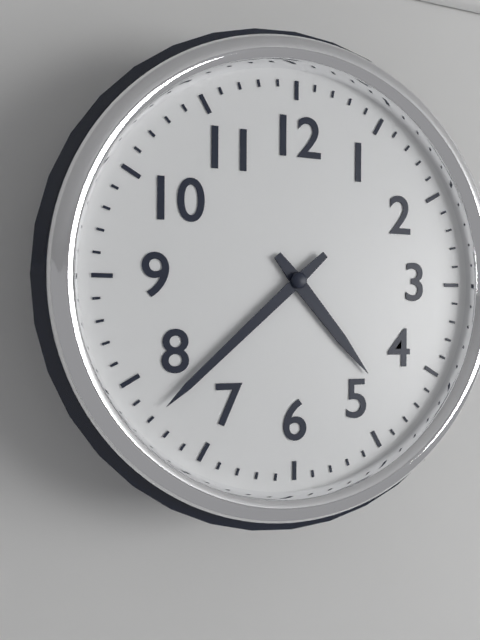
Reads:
{"hour": 4, "minute": 38}
